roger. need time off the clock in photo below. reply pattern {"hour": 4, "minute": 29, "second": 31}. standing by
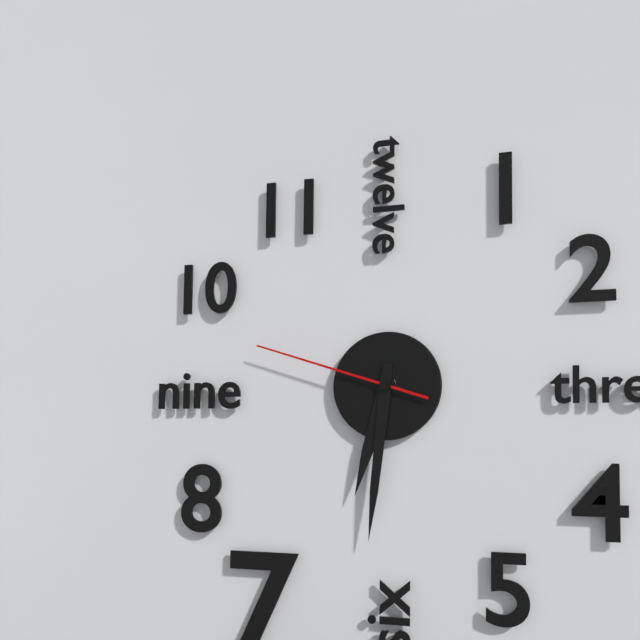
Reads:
{"hour": 6, "minute": 31, "second": 48}
